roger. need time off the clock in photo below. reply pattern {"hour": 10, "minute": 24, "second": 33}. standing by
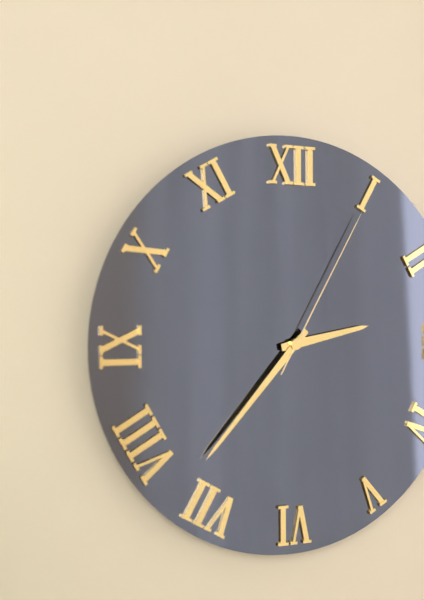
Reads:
{"hour": 2, "minute": 37, "second": 5}
